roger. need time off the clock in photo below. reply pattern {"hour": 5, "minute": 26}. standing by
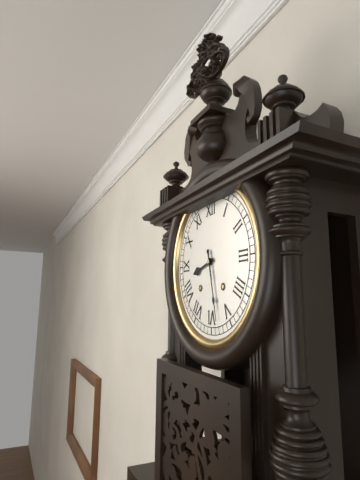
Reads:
{"hour": 8, "minute": 28}
